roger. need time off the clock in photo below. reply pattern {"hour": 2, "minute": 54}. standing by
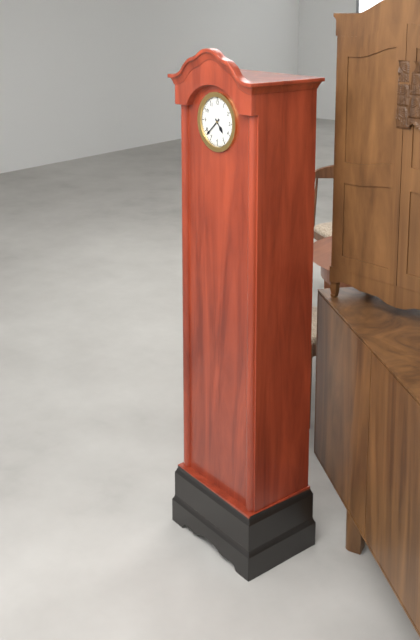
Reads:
{"hour": 4, "minute": 38}
